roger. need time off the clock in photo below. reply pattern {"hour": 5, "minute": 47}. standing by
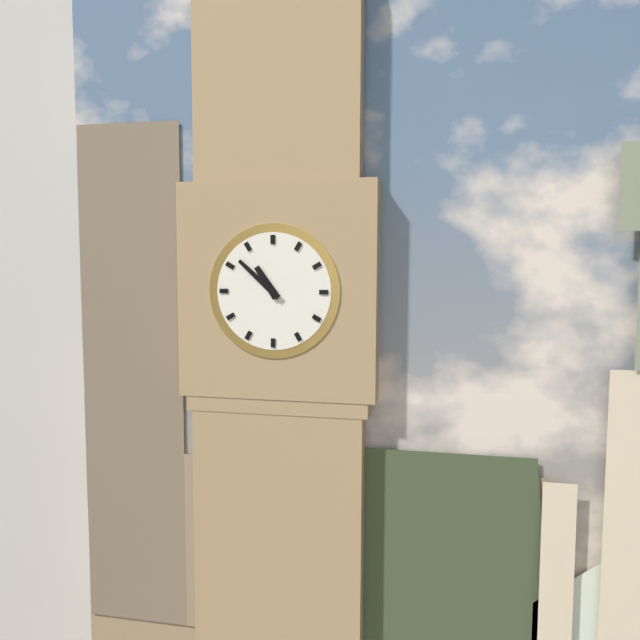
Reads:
{"hour": 10, "minute": 52}
